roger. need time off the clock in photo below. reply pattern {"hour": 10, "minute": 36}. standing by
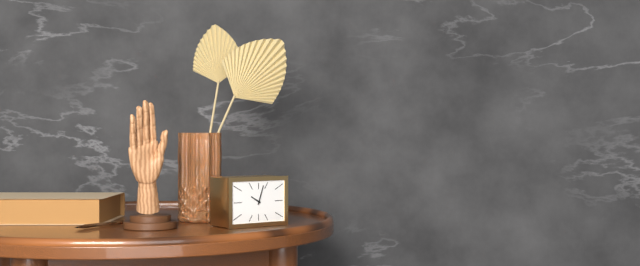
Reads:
{"hour": 10, "minute": 3}
